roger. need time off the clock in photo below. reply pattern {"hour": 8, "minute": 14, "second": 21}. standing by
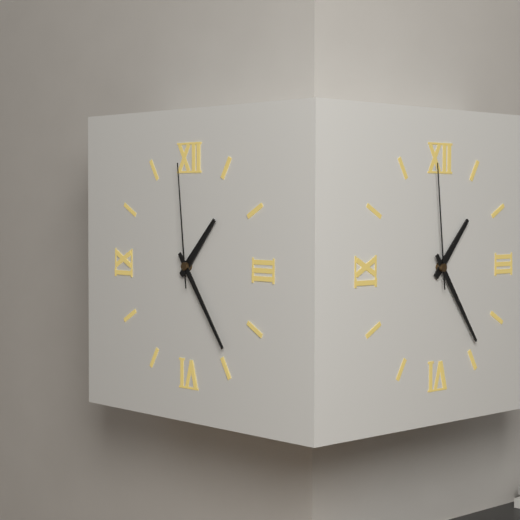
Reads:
{"hour": 1, "minute": 24, "second": 59}
